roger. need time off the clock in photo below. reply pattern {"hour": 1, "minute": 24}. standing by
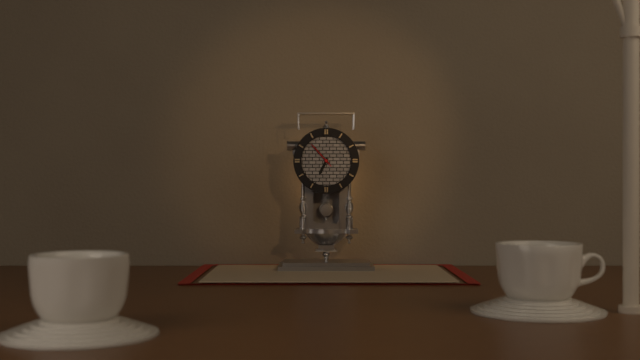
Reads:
{"hour": 6, "minute": 53}
